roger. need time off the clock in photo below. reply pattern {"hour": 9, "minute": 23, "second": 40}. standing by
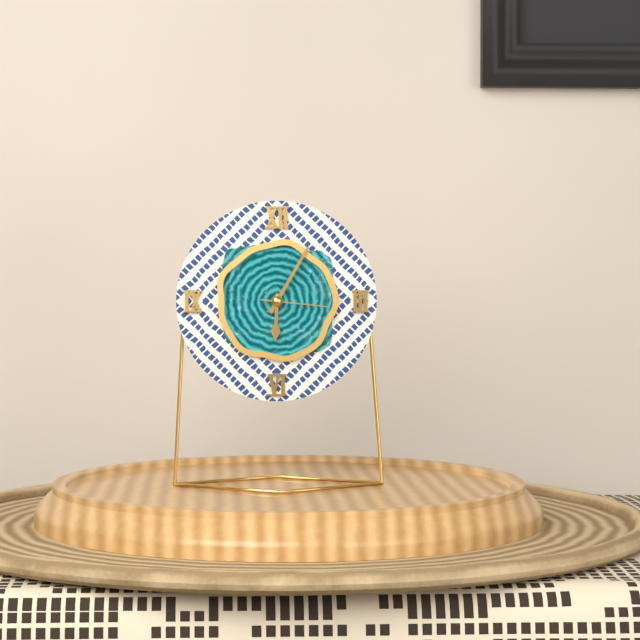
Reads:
{"hour": 6, "minute": 5, "second": 16}
